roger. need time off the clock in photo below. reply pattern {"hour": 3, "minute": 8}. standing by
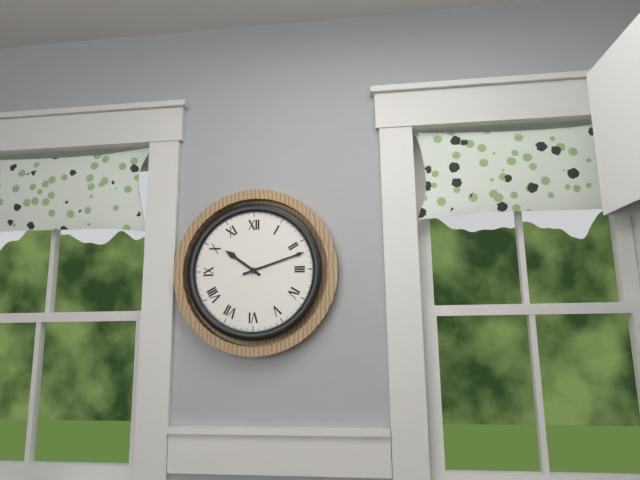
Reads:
{"hour": 10, "minute": 12}
